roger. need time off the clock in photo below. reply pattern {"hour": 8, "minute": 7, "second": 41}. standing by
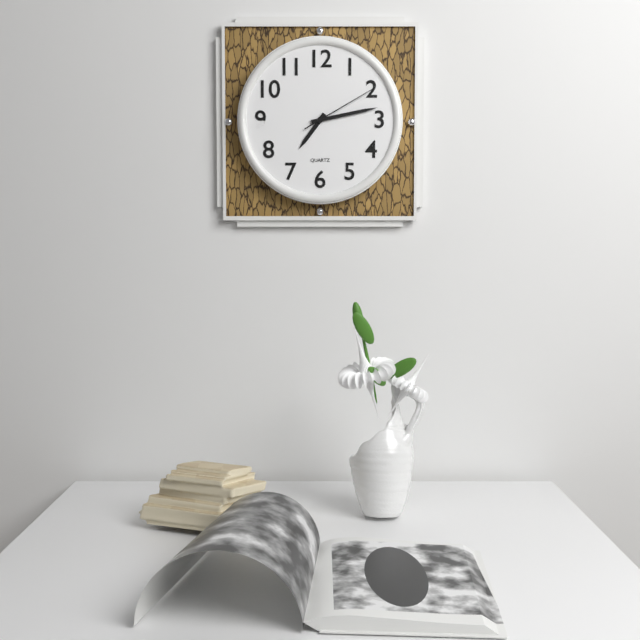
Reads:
{"hour": 7, "minute": 13, "second": 10}
